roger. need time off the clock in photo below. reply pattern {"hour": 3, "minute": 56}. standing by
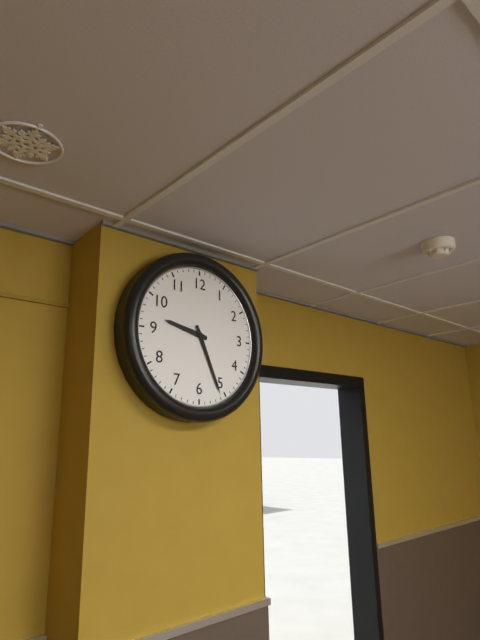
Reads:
{"hour": 9, "minute": 26}
